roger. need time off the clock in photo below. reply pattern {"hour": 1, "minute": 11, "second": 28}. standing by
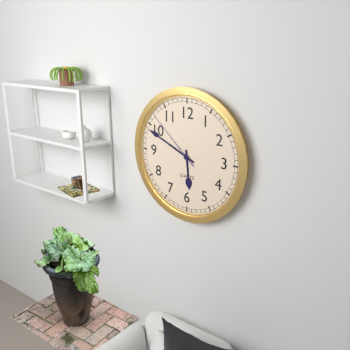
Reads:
{"hour": 5, "minute": 49, "second": 52}
